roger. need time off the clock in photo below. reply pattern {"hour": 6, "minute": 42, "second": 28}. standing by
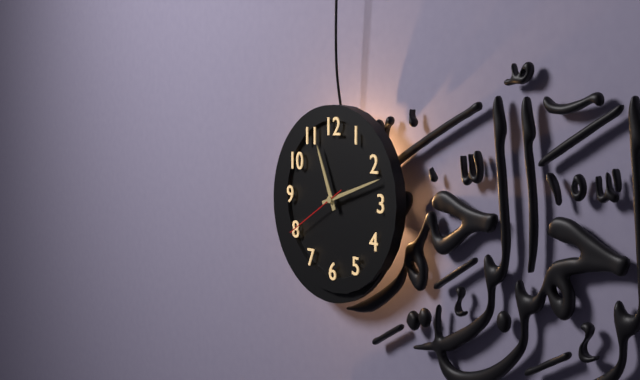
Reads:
{"hour": 11, "minute": 12, "second": 40}
